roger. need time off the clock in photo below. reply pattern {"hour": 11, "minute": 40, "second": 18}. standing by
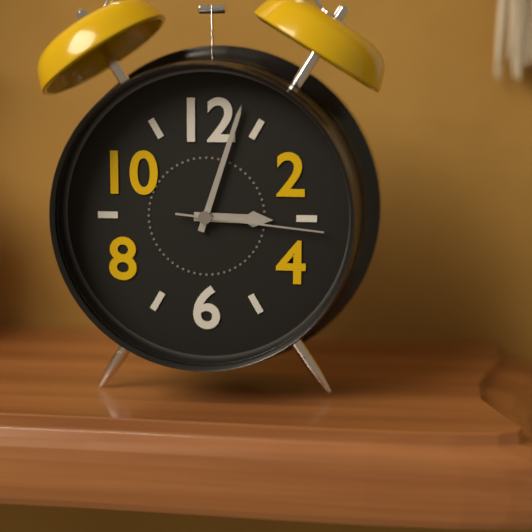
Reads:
{"hour": 3, "minute": 3, "second": 16}
